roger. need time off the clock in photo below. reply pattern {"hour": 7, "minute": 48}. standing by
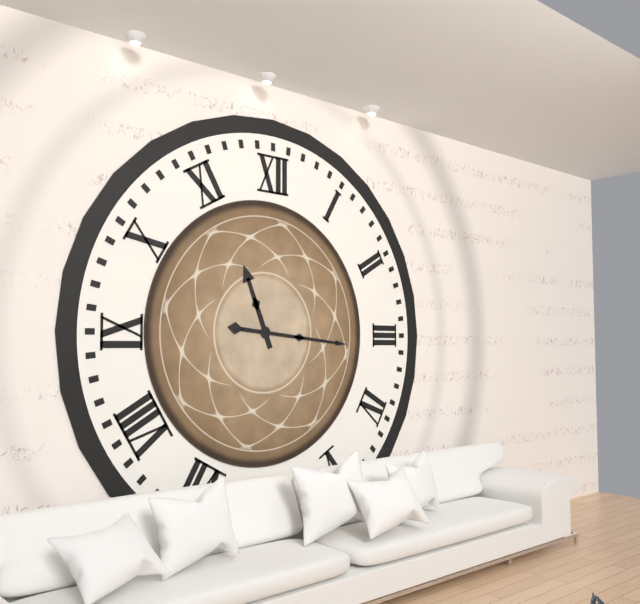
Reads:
{"hour": 11, "minute": 16}
